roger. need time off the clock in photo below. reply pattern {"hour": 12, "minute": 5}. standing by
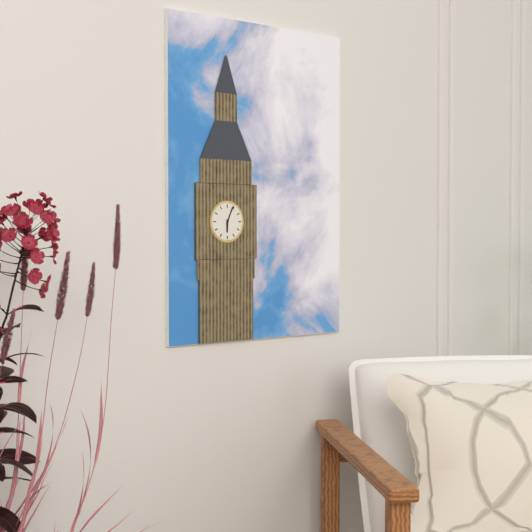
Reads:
{"hour": 6, "minute": 4}
